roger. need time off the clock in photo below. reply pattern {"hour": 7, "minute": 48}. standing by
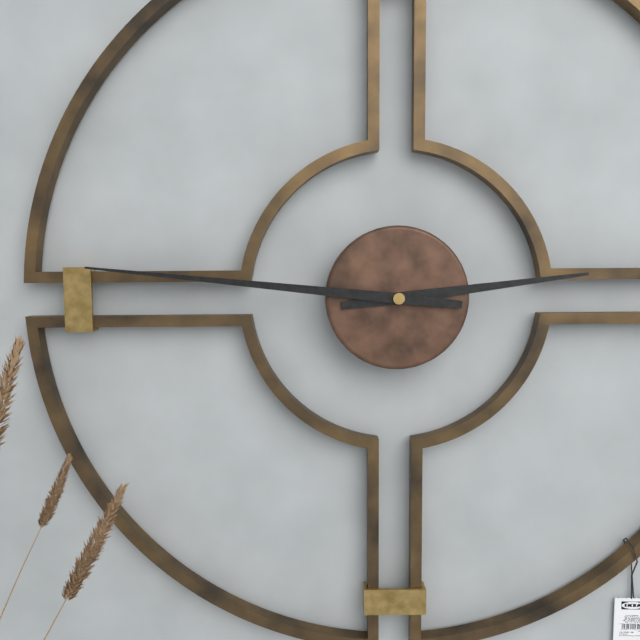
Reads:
{"hour": 2, "minute": 46}
